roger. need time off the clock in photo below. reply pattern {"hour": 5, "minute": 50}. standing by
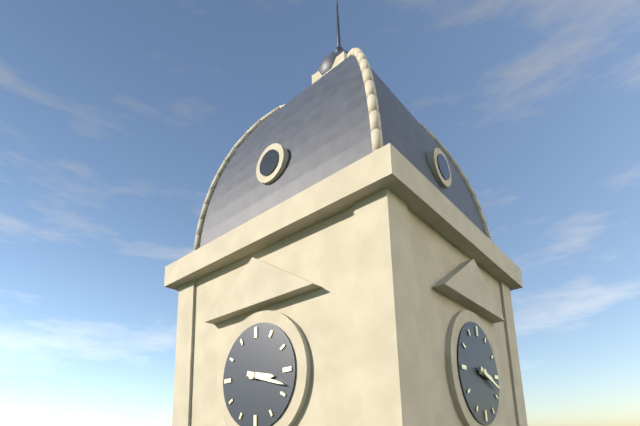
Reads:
{"hour": 3, "minute": 18}
